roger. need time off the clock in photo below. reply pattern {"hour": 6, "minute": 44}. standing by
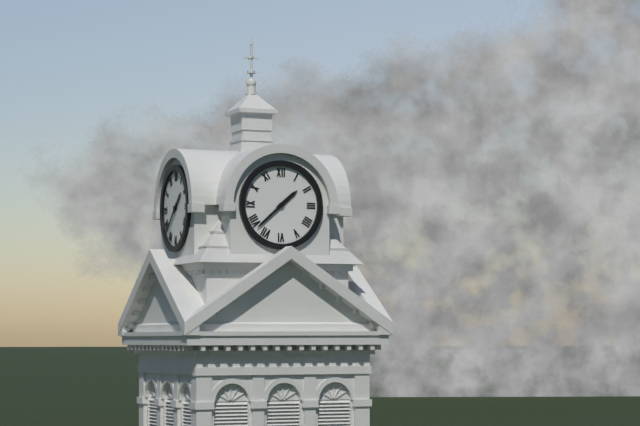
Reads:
{"hour": 1, "minute": 38}
